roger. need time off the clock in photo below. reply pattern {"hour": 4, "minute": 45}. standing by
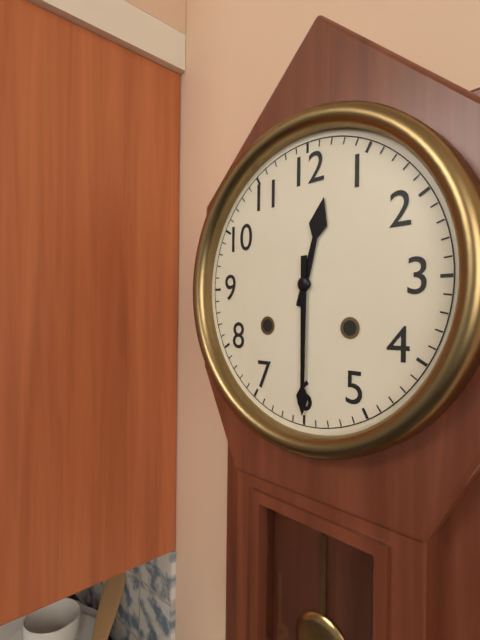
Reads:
{"hour": 12, "minute": 30}
